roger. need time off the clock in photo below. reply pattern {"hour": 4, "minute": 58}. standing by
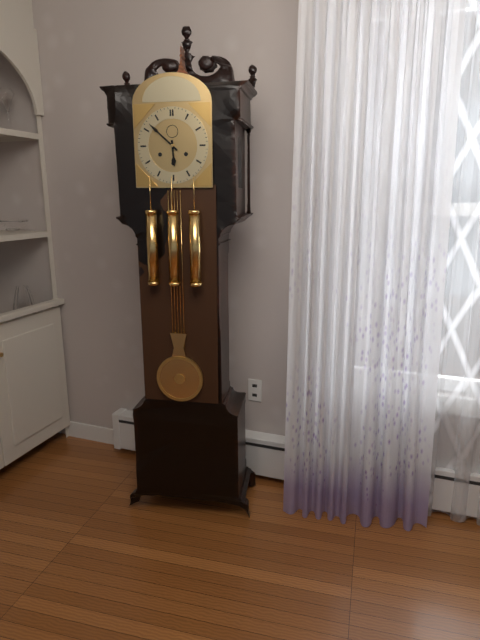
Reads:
{"hour": 5, "minute": 52}
